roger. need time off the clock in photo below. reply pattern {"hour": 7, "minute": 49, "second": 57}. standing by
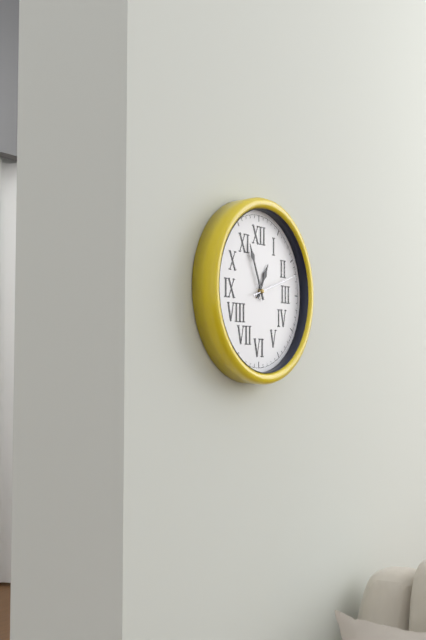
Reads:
{"hour": 12, "minute": 56, "second": 12}
